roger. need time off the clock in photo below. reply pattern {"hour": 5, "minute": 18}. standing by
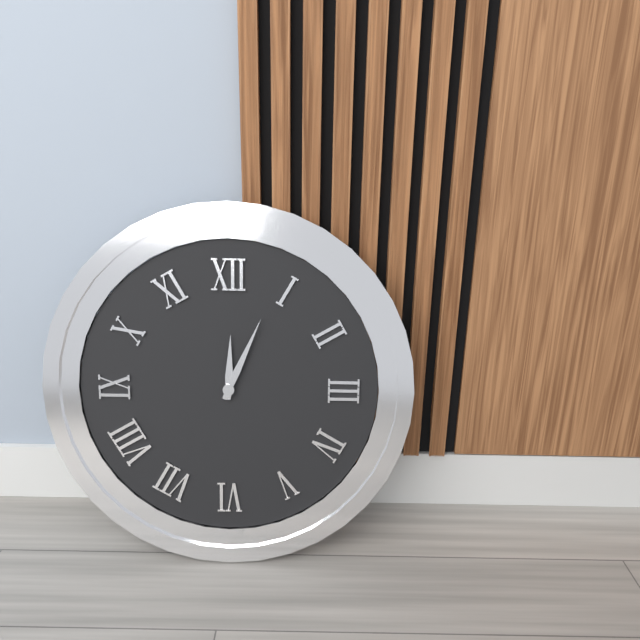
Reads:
{"hour": 12, "minute": 4}
